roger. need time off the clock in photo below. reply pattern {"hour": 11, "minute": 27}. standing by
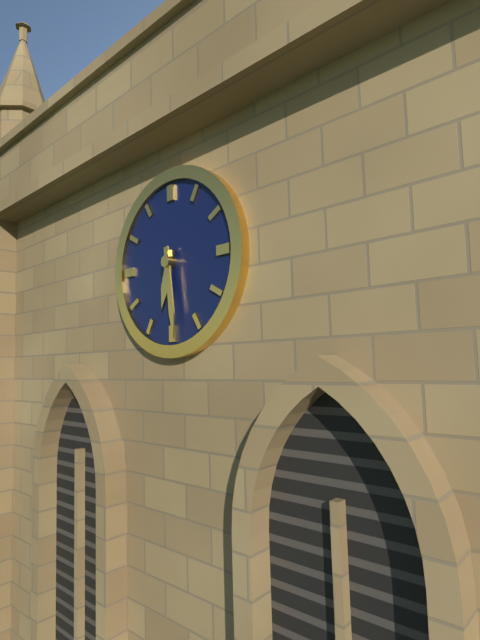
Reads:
{"hour": 6, "minute": 29}
